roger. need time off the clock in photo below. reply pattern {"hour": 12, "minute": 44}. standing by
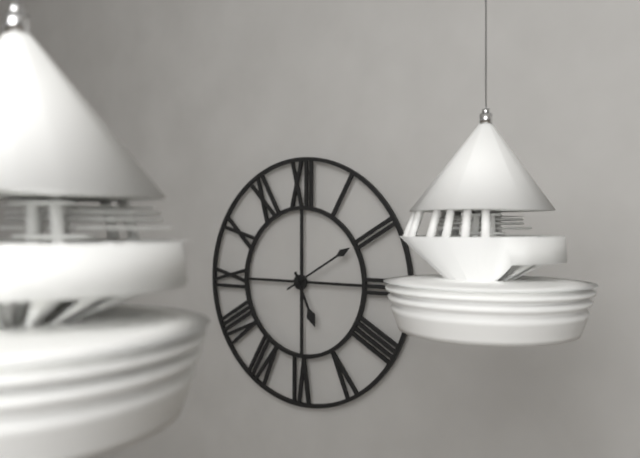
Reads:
{"hour": 5, "minute": 10}
